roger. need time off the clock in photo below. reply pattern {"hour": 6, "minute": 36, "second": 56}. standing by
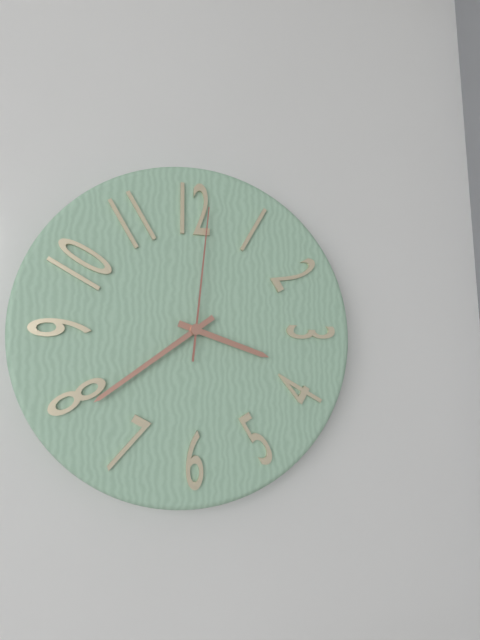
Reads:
{"hour": 3, "minute": 39, "second": 1}
